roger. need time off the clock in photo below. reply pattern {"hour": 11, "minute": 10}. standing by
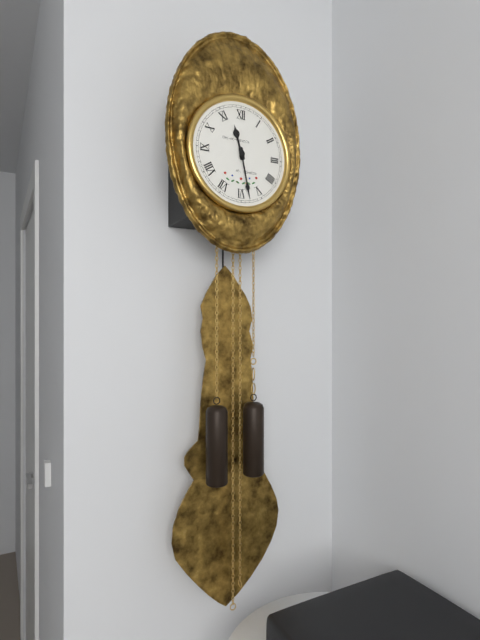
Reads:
{"hour": 11, "minute": 28}
